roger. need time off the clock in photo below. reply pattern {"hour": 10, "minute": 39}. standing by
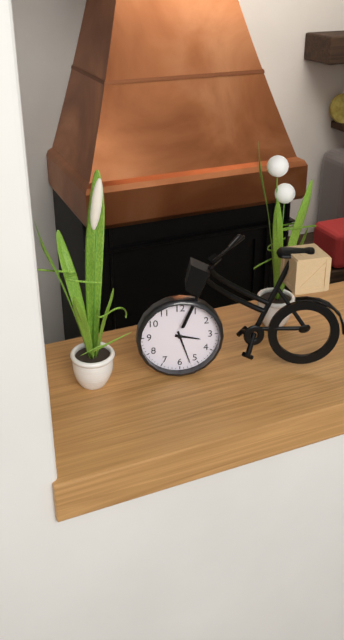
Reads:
{"hour": 3, "minute": 27}
